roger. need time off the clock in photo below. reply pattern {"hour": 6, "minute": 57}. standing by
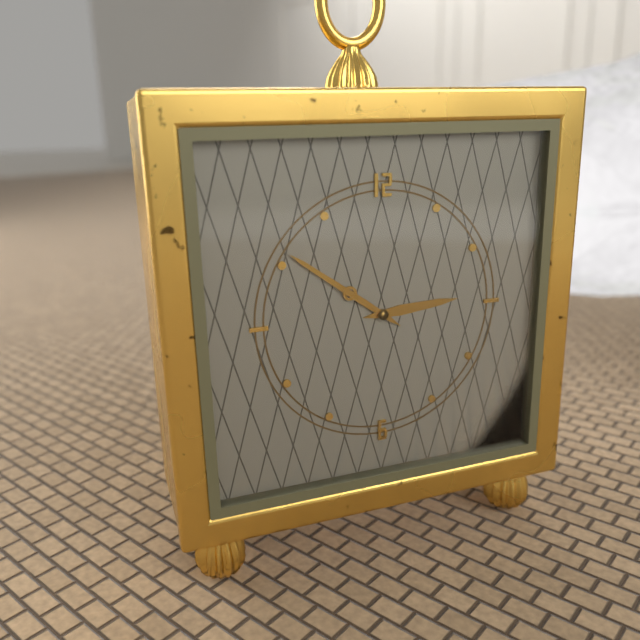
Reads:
{"hour": 2, "minute": 51}
